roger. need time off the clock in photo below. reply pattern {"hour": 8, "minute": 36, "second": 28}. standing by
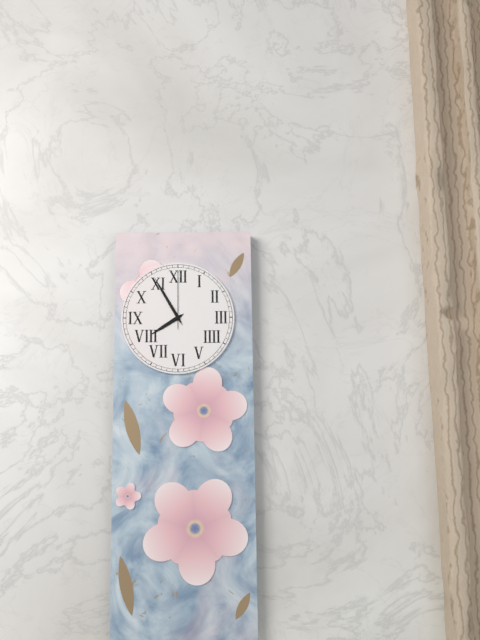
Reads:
{"hour": 7, "minute": 55, "second": 0}
